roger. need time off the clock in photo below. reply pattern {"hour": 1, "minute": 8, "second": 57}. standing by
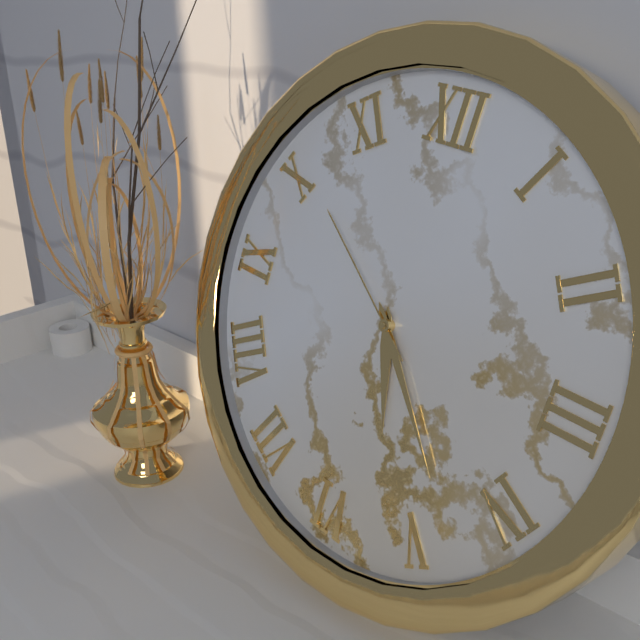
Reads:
{"hour": 5, "minute": 23, "second": 51}
